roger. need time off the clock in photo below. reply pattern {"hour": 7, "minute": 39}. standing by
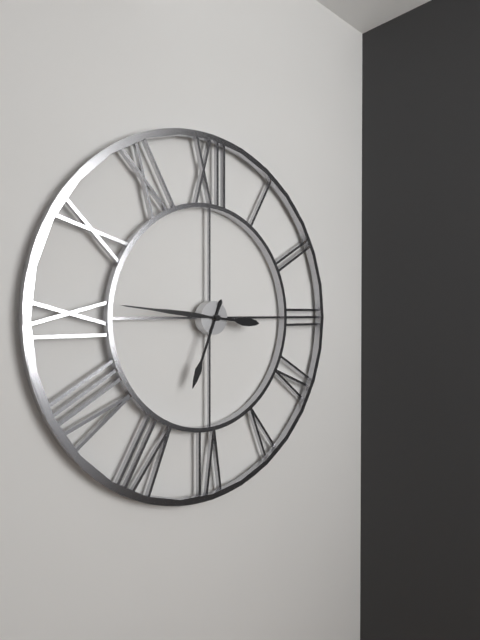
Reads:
{"hour": 6, "minute": 46}
